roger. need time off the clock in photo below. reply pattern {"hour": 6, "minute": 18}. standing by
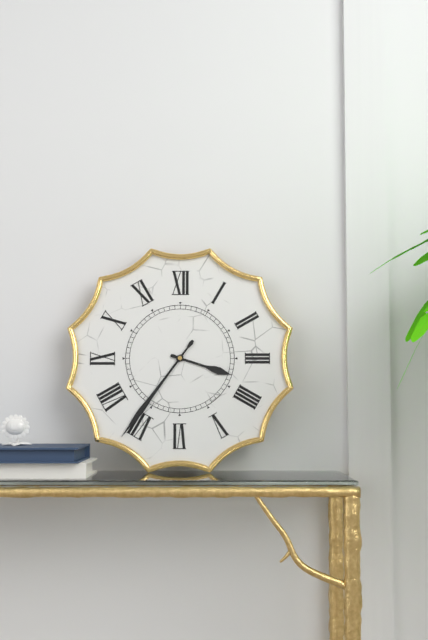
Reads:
{"hour": 3, "minute": 36}
